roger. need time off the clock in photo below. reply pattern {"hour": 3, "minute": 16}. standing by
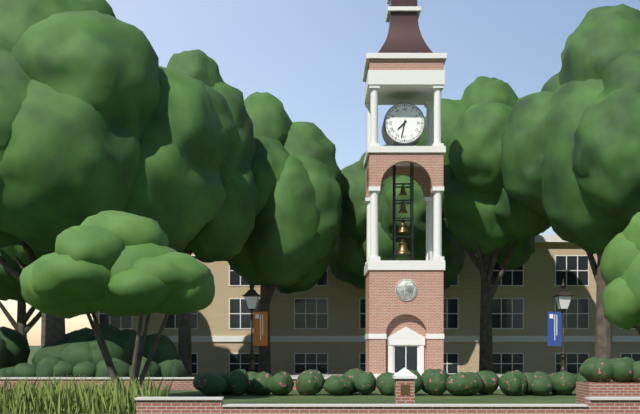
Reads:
{"hour": 7, "minute": 32}
